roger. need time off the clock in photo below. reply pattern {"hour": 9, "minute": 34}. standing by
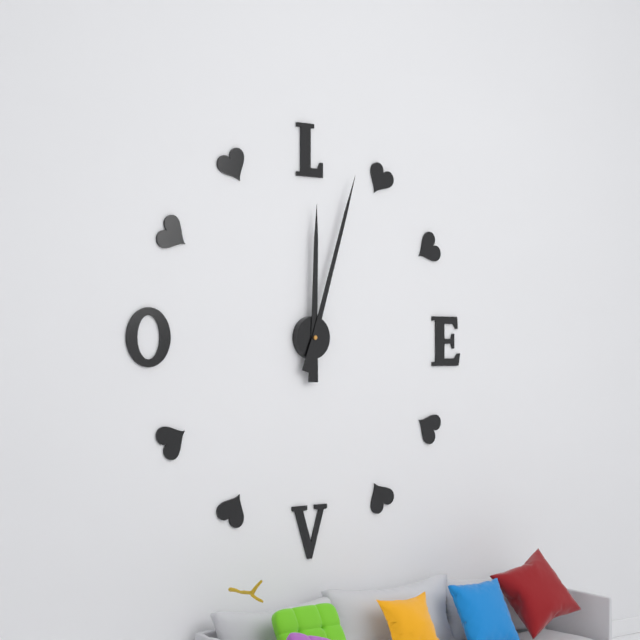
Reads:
{"hour": 12, "minute": 3}
